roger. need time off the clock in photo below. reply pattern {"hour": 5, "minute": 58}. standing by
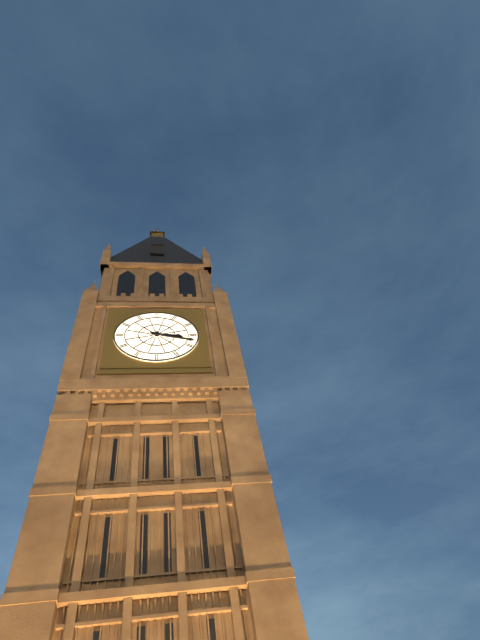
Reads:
{"hour": 3, "minute": 18}
